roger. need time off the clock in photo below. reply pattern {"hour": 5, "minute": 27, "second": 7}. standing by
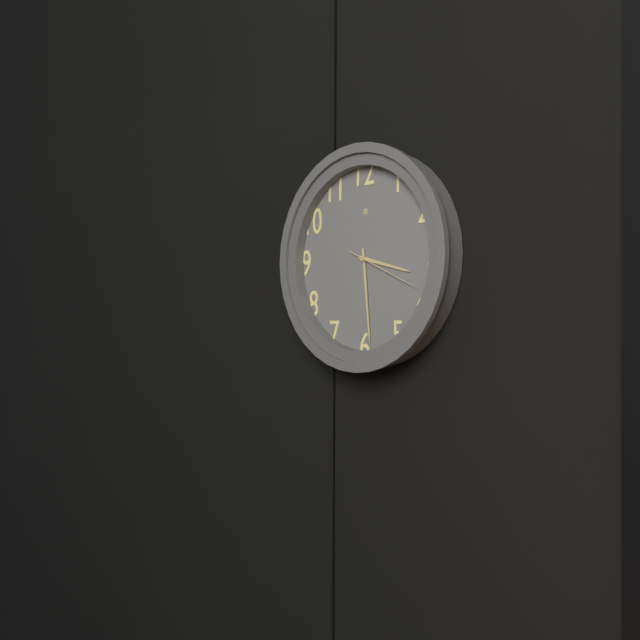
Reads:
{"hour": 3, "minute": 29, "second": 19}
